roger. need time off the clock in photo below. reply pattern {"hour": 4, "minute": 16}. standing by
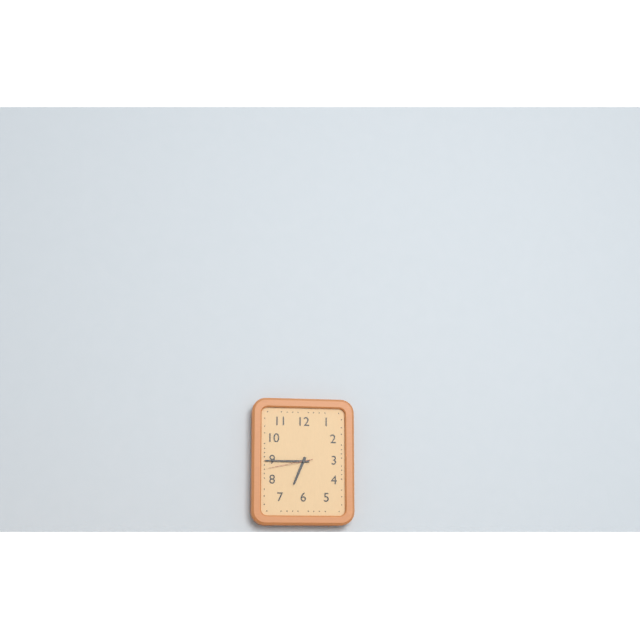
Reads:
{"hour": 6, "minute": 45}
